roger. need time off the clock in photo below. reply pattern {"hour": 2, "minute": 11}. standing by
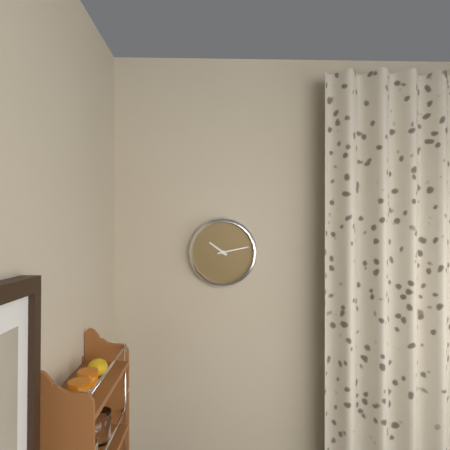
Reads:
{"hour": 10, "minute": 13}
